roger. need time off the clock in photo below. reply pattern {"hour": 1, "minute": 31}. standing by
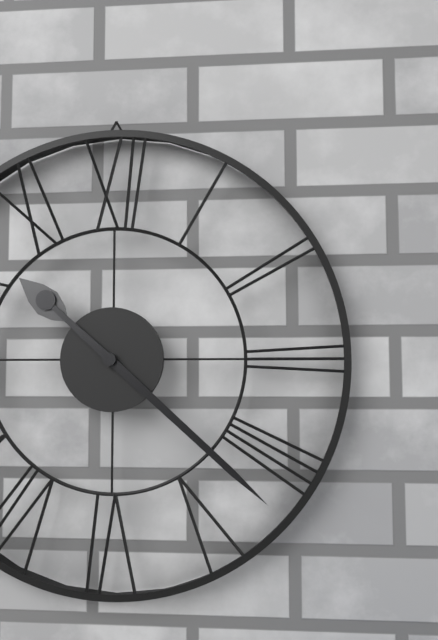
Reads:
{"hour": 10, "minute": 22}
